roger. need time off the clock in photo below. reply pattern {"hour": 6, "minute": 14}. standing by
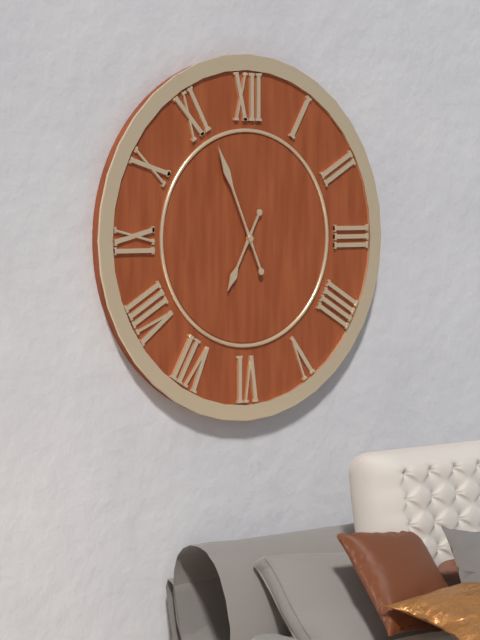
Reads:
{"hour": 6, "minute": 56}
